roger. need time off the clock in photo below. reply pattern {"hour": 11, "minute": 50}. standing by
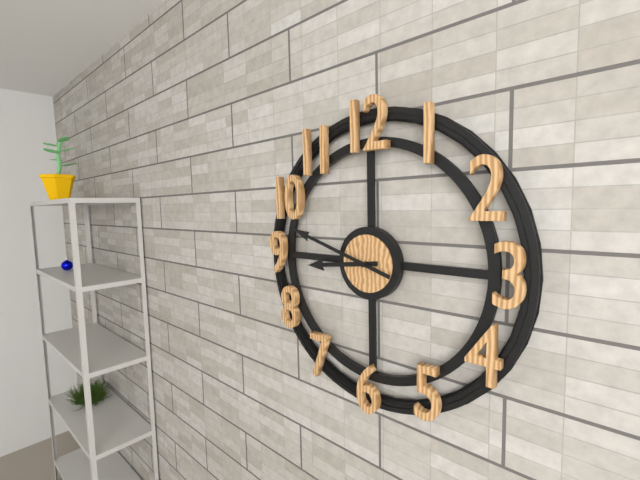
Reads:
{"hour": 8, "minute": 48}
